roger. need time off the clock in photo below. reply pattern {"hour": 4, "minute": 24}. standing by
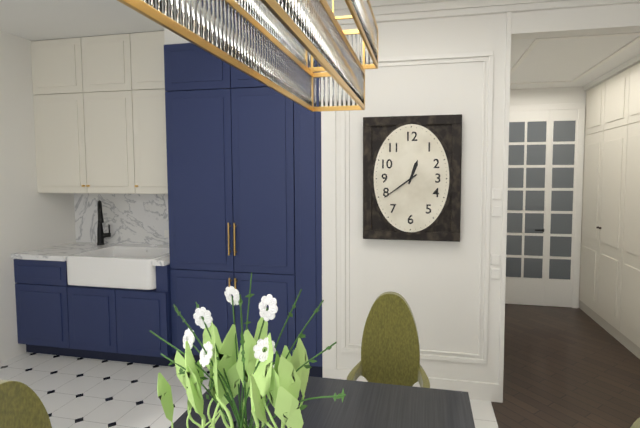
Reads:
{"hour": 12, "minute": 39}
